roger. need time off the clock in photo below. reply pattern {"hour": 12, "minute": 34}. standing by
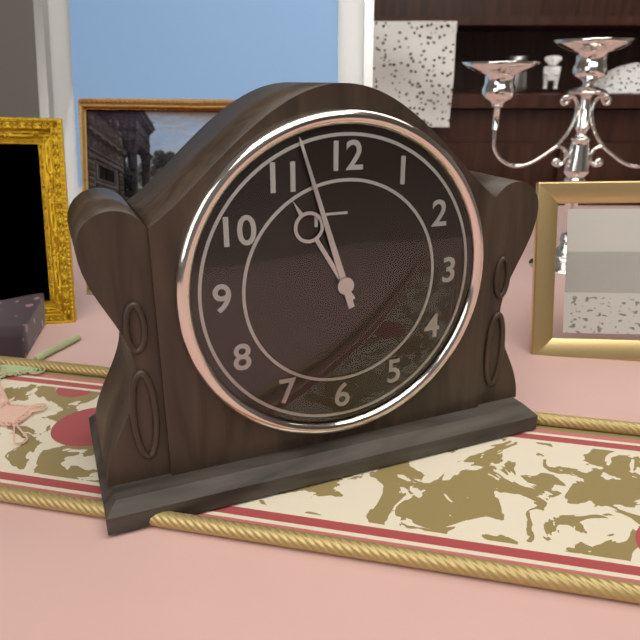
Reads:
{"hour": 10, "minute": 57}
